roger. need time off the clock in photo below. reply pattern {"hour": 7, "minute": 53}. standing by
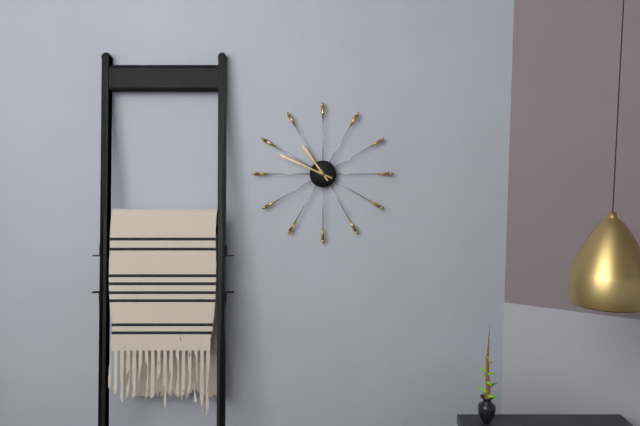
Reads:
{"hour": 10, "minute": 49}
